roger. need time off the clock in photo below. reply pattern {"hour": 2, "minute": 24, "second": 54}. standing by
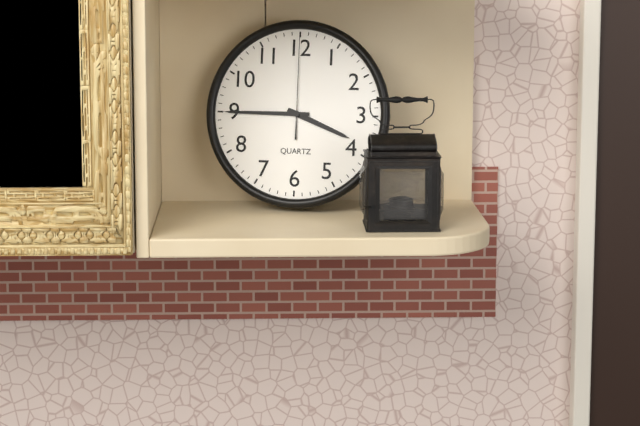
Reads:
{"hour": 3, "minute": 45, "second": 0}
